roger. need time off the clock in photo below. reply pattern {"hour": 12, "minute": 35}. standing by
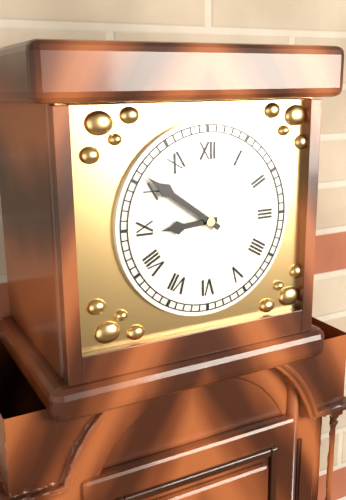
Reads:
{"hour": 8, "minute": 51}
